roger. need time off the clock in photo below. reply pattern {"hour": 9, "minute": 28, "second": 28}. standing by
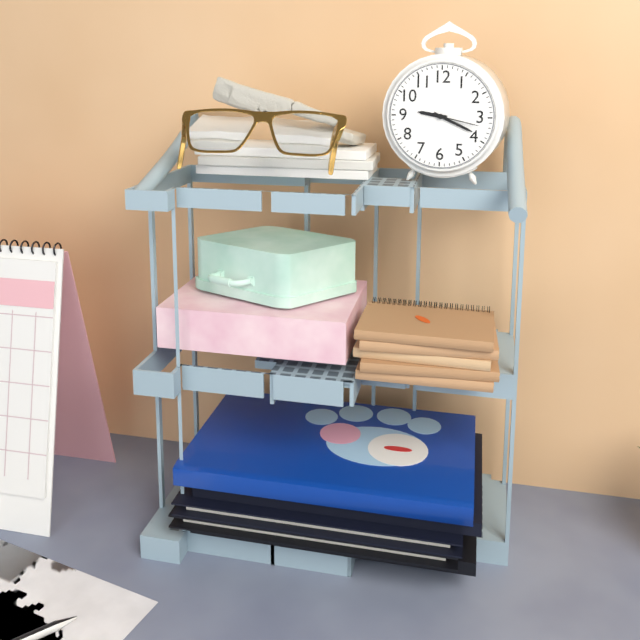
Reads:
{"hour": 9, "minute": 19, "second": 17}
